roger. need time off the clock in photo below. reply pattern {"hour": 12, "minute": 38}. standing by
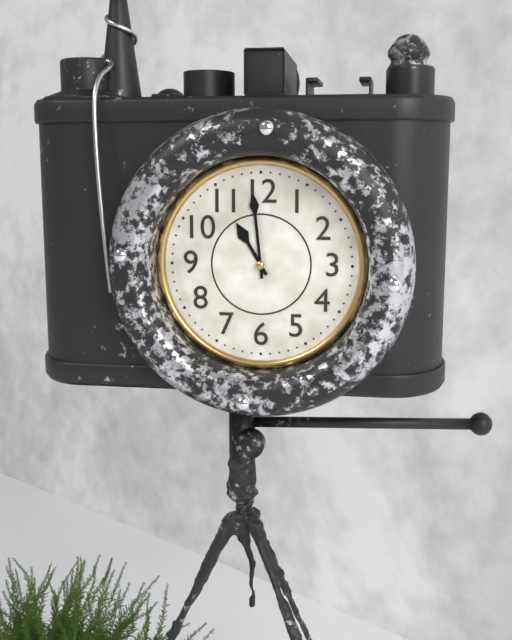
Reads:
{"hour": 10, "minute": 59}
